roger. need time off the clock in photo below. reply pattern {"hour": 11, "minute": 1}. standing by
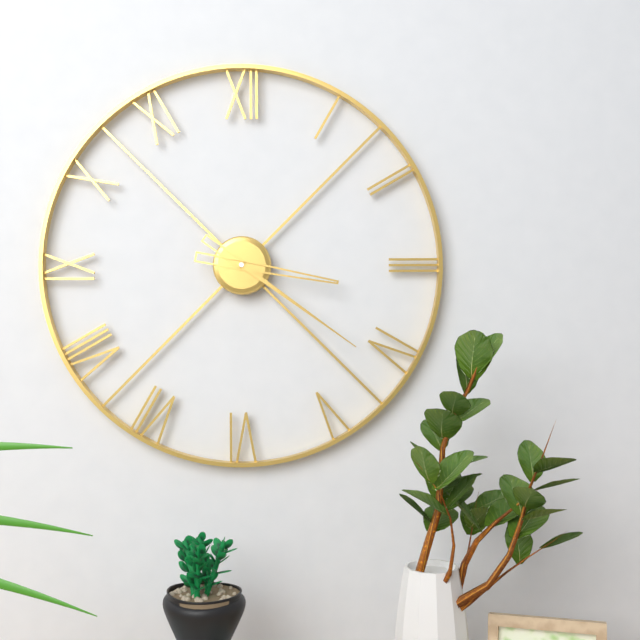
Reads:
{"hour": 3, "minute": 21}
